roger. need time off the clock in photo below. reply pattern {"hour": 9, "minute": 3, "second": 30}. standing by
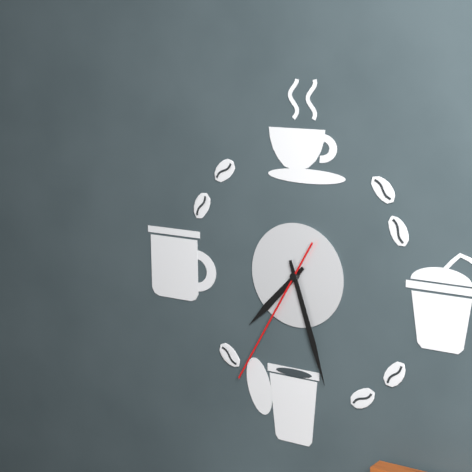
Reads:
{"hour": 7, "minute": 27, "second": 35}
